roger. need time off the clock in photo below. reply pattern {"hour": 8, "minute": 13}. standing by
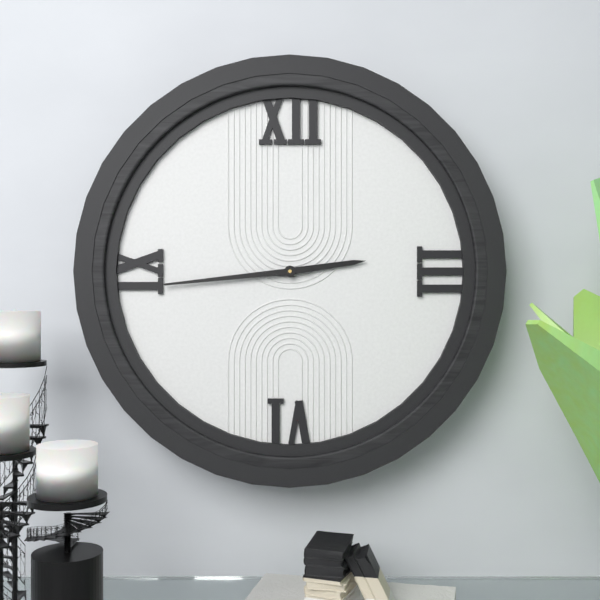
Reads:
{"hour": 2, "minute": 44}
